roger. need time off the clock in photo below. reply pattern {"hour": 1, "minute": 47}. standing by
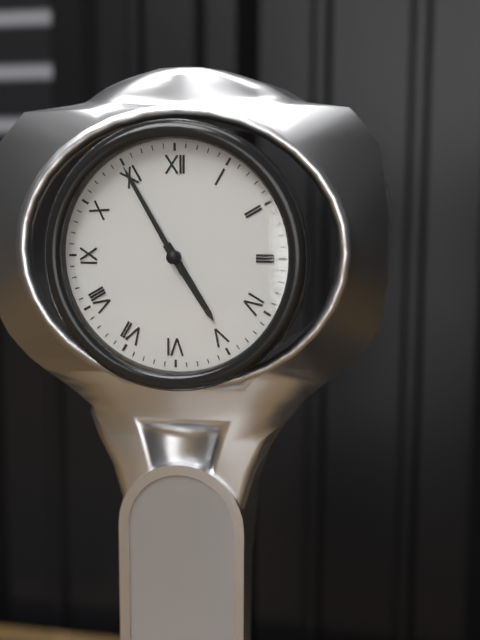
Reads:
{"hour": 4, "minute": 55}
